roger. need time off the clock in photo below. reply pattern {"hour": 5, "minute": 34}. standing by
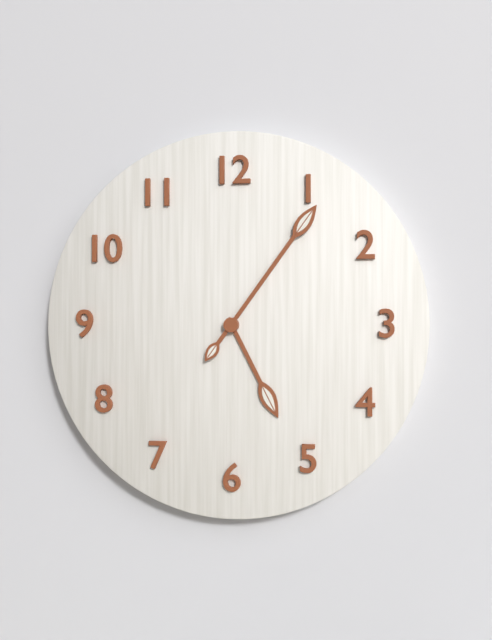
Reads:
{"hour": 5, "minute": 6}
